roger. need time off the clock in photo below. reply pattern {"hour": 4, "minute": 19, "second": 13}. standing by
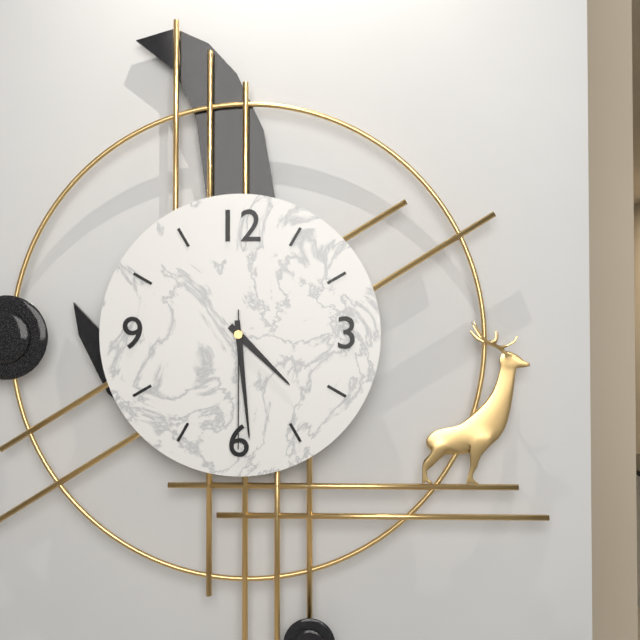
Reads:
{"hour": 4, "minute": 29, "second": 30}
